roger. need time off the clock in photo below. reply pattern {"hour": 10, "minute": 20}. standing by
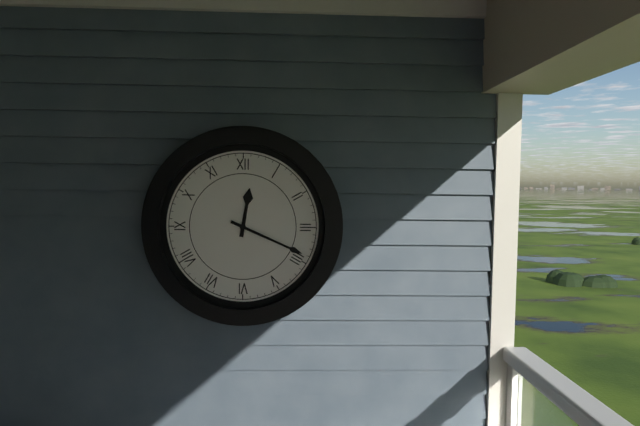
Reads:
{"hour": 12, "minute": 19}
